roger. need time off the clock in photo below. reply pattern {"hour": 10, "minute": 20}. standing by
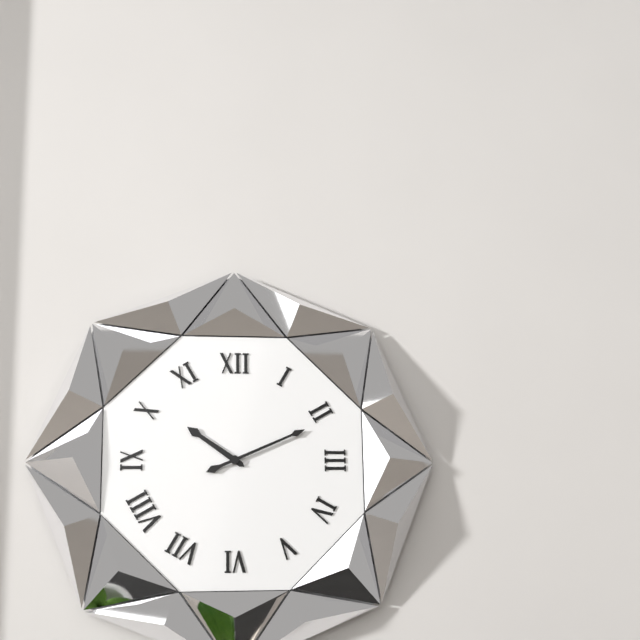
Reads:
{"hour": 10, "minute": 11}
